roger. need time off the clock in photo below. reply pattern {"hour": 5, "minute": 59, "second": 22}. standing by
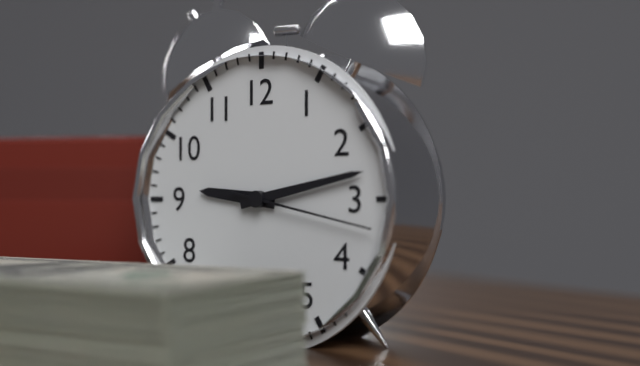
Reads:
{"hour": 9, "minute": 13, "second": 17}
